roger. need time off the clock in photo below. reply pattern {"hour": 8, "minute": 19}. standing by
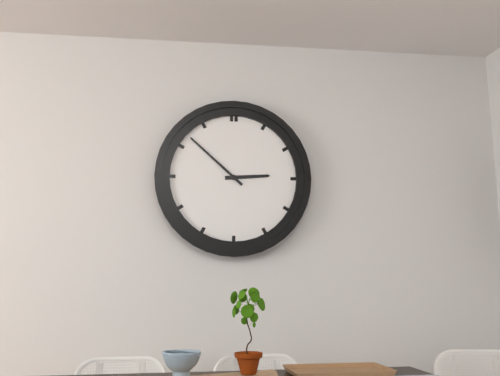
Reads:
{"hour": 2, "minute": 52}
